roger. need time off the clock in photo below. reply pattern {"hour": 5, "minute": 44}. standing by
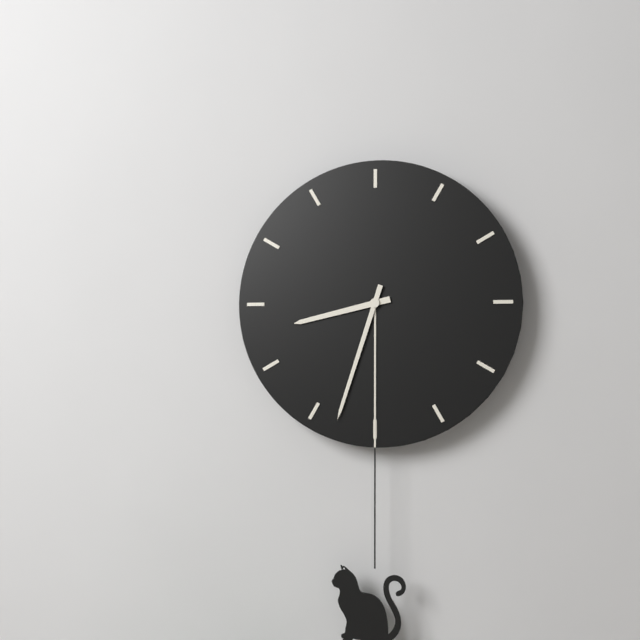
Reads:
{"hour": 8, "minute": 33}
